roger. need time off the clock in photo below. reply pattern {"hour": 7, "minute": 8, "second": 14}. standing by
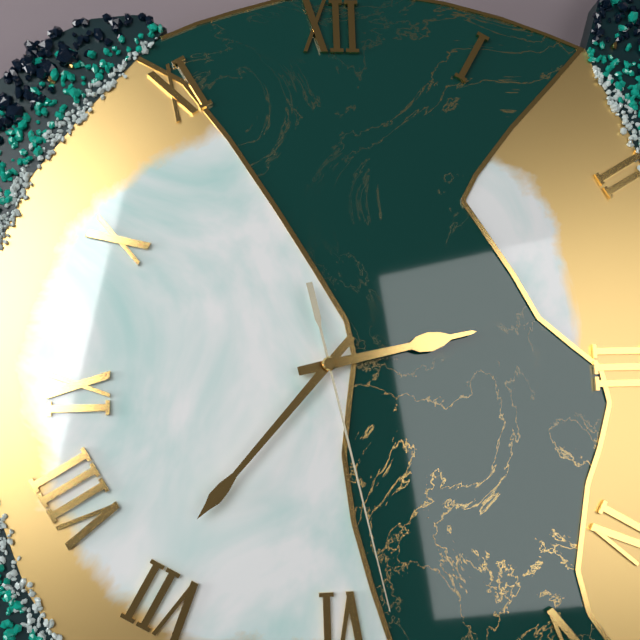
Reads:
{"hour": 2, "minute": 37, "second": 28}
